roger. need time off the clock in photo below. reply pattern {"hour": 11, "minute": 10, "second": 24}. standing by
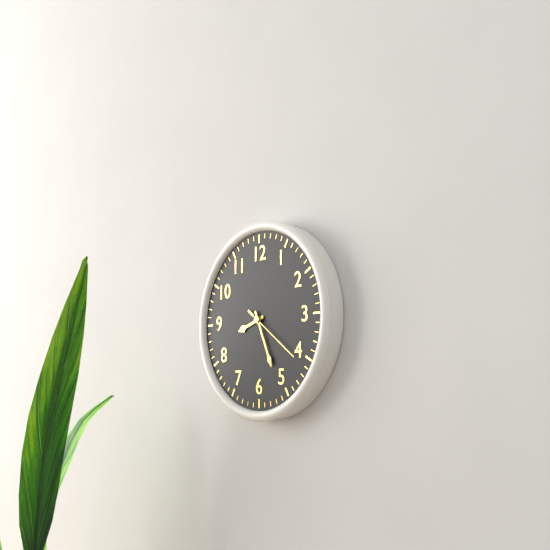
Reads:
{"hour": 8, "minute": 26, "second": 21}
